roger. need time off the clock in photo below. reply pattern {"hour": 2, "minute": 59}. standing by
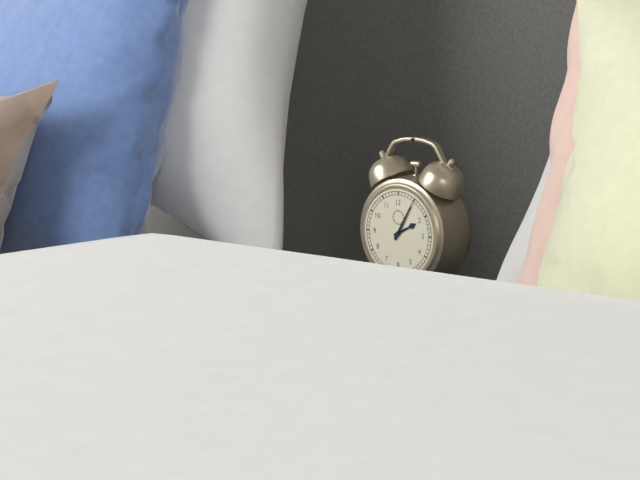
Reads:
{"hour": 2, "minute": 5}
